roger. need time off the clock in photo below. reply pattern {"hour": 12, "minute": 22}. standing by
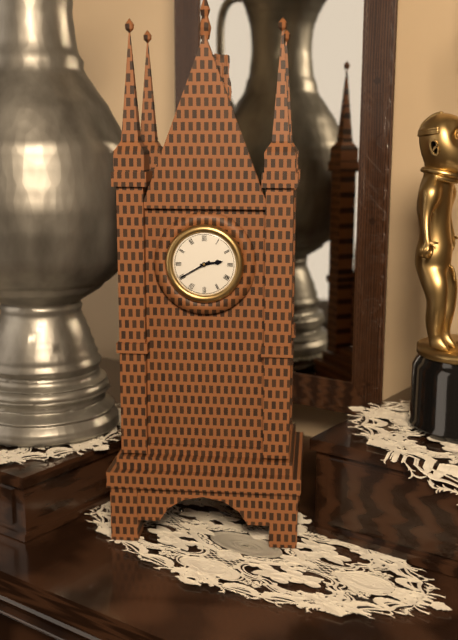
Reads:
{"hour": 2, "minute": 40}
